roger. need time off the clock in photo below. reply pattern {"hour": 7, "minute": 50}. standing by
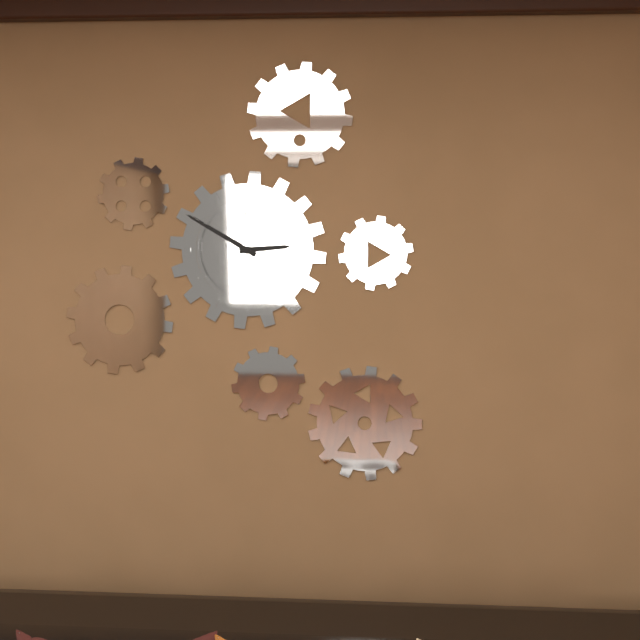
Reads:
{"hour": 2, "minute": 50}
